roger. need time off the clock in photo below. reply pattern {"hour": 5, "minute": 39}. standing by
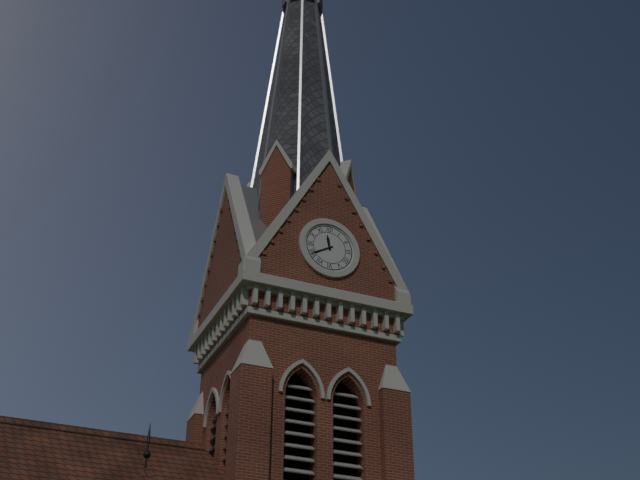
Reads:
{"hour": 11, "minute": 40}
